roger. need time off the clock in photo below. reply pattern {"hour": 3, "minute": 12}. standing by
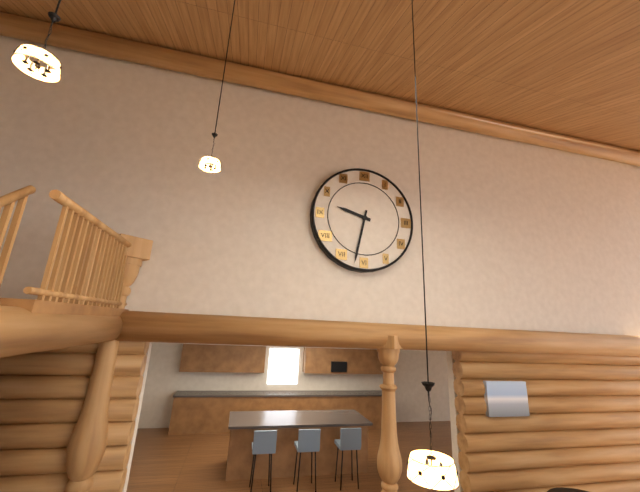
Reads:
{"hour": 9, "minute": 32}
